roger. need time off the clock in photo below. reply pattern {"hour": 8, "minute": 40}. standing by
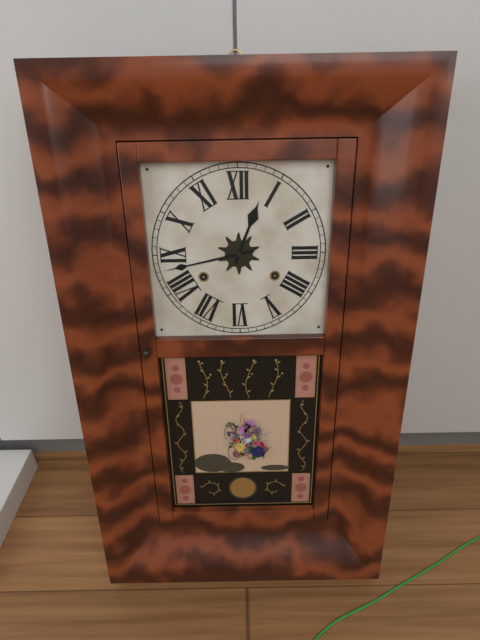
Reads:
{"hour": 12, "minute": 43}
